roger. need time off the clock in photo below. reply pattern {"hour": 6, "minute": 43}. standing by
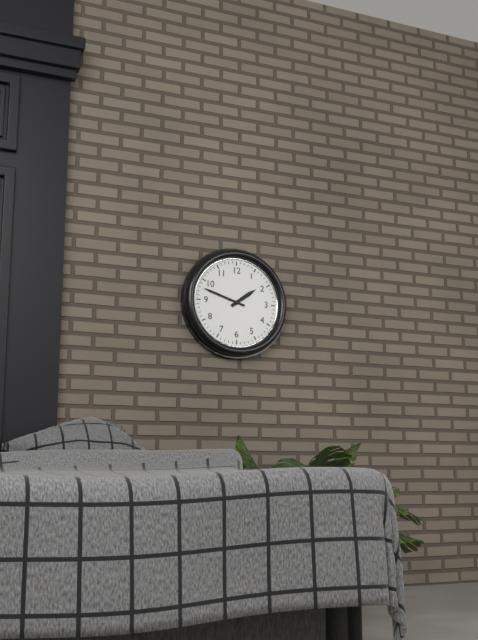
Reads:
{"hour": 1, "minute": 48}
